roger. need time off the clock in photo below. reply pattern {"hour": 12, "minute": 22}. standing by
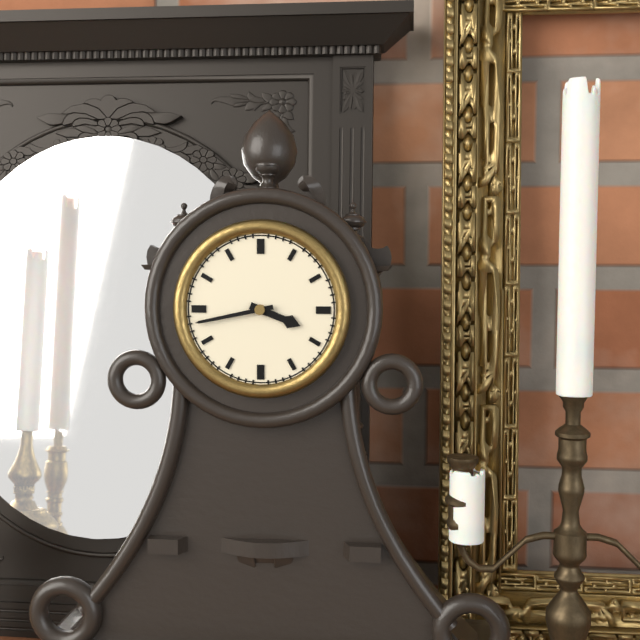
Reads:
{"hour": 3, "minute": 43}
